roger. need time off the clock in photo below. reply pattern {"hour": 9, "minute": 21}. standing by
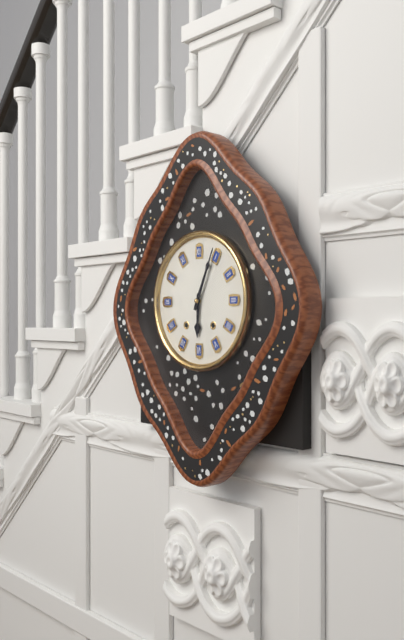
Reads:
{"hour": 6, "minute": 4}
